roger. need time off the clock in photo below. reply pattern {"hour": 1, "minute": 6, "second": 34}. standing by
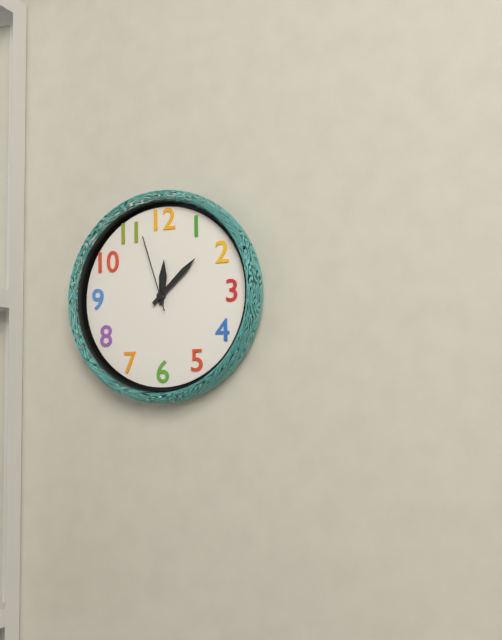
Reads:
{"hour": 12, "minute": 8, "second": 57}
